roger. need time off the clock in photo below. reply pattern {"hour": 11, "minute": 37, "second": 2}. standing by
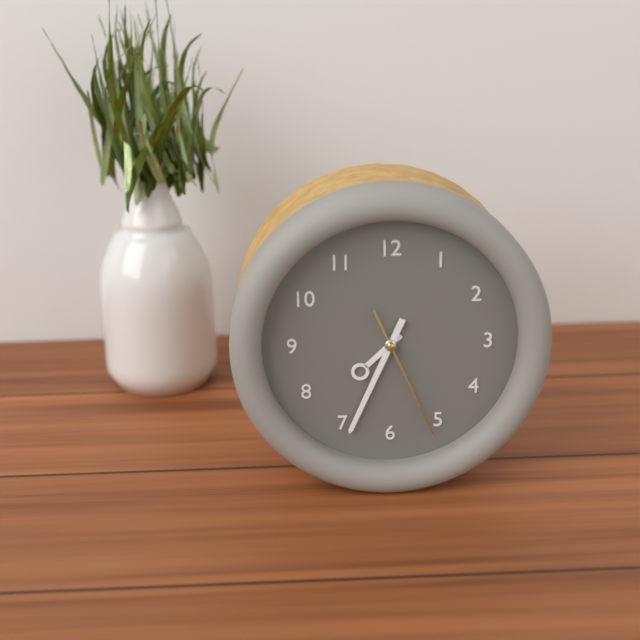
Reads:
{"hour": 7, "minute": 34, "second": 26}
